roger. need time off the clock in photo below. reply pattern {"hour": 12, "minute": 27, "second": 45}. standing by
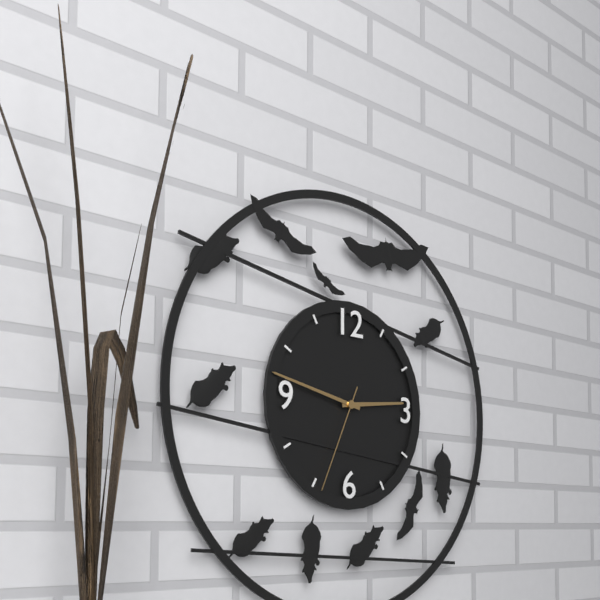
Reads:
{"hour": 2, "minute": 47, "second": 34}
